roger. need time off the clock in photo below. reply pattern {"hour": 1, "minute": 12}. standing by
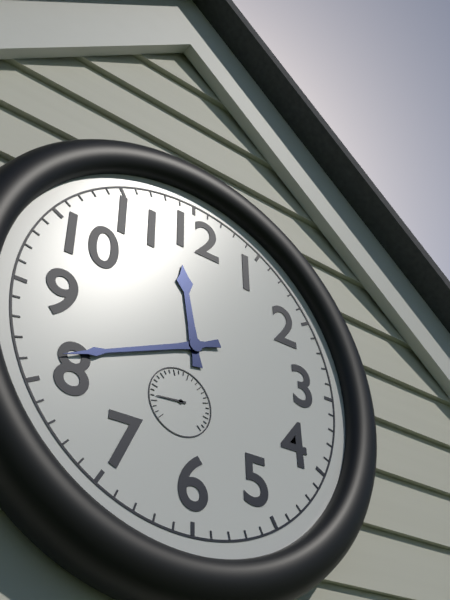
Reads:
{"hour": 11, "minute": 41}
